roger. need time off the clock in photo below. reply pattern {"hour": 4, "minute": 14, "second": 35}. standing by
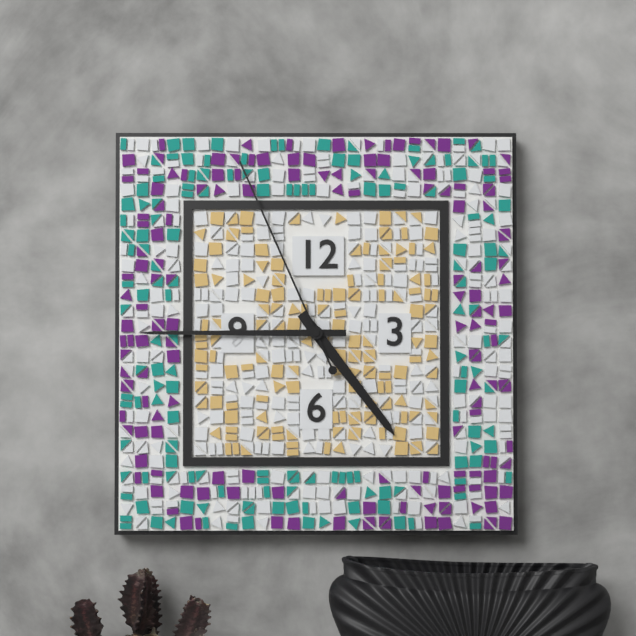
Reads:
{"hour": 4, "minute": 45, "second": 56}
